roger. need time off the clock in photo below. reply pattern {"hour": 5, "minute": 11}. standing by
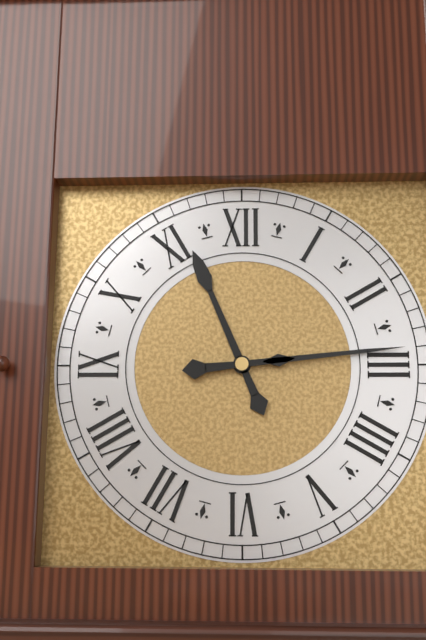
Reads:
{"hour": 11, "minute": 14}
